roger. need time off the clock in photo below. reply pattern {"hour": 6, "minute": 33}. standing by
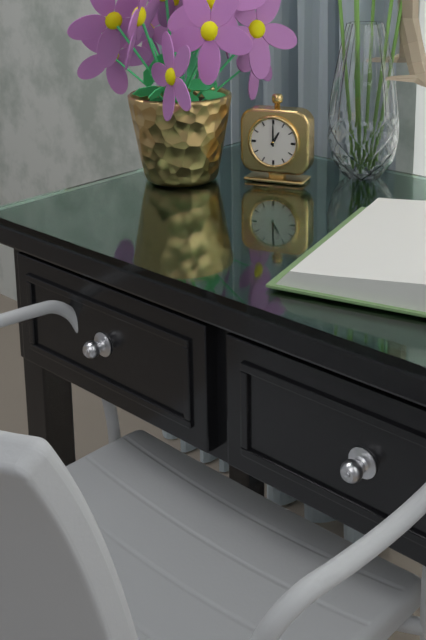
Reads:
{"hour": 1, "minute": 0}
